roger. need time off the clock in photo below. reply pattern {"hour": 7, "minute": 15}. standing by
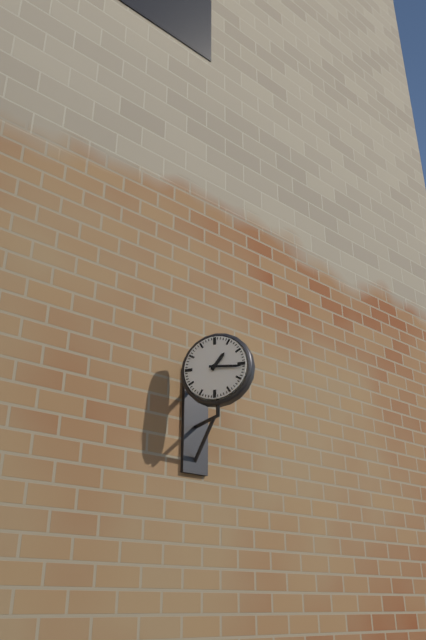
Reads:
{"hour": 1, "minute": 16}
